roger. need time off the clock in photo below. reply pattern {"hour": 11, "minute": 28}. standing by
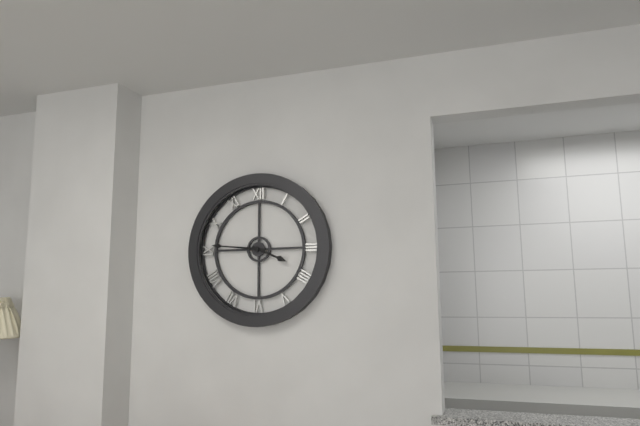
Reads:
{"hour": 3, "minute": 46}
